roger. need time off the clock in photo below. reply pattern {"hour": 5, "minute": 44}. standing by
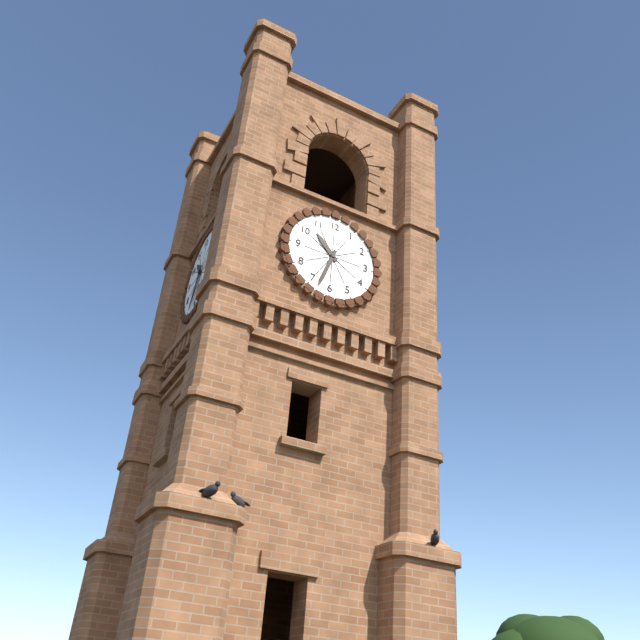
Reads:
{"hour": 10, "minute": 33}
